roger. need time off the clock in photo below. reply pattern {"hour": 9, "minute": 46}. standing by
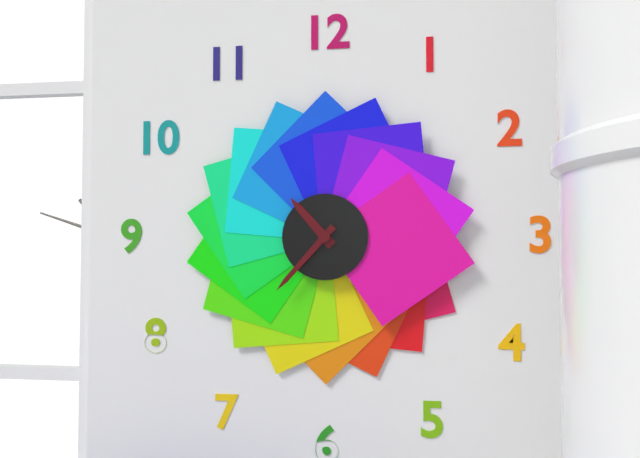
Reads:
{"hour": 10, "minute": 37}
